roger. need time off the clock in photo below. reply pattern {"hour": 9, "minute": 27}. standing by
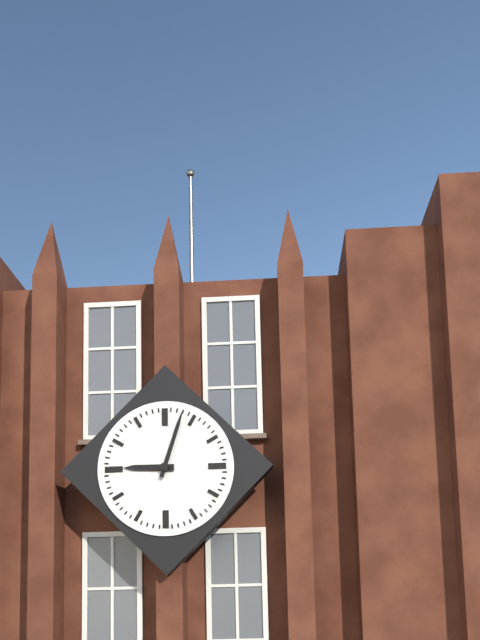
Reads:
{"hour": 9, "minute": 3}
